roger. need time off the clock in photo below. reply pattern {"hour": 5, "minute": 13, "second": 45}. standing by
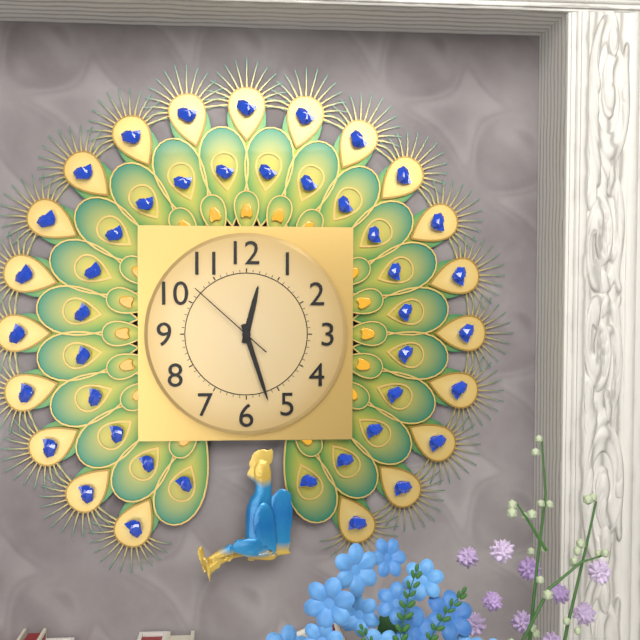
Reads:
{"hour": 12, "minute": 27, "second": 52}
